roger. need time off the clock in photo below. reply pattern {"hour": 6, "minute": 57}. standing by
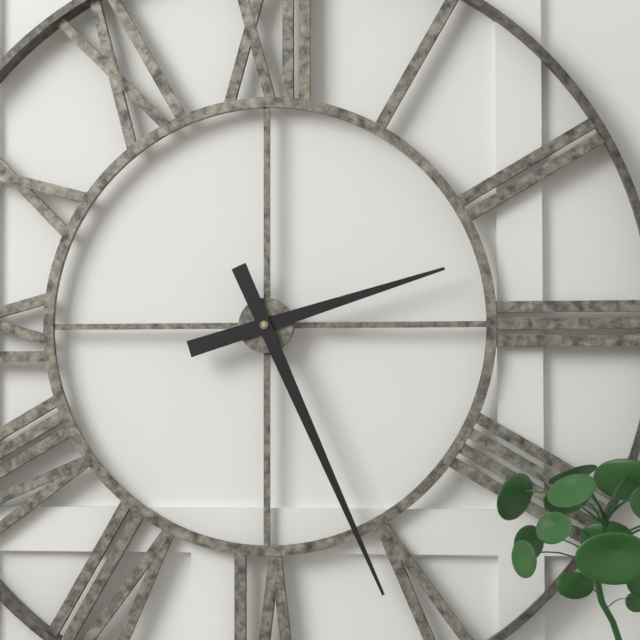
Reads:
{"hour": 2, "minute": 26}
